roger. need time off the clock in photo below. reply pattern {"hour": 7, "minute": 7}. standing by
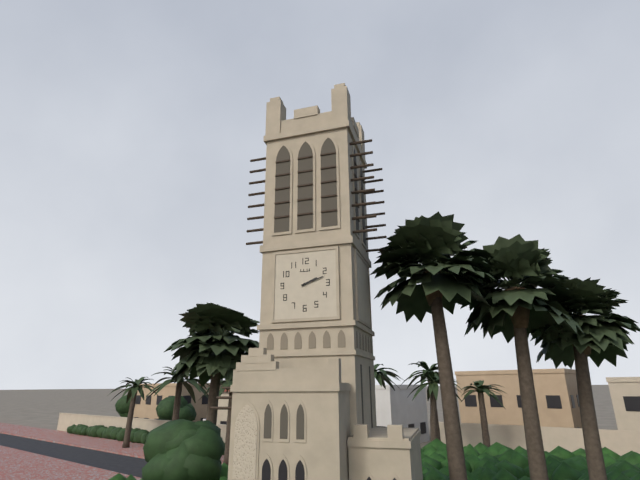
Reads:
{"hour": 2, "minute": 12}
